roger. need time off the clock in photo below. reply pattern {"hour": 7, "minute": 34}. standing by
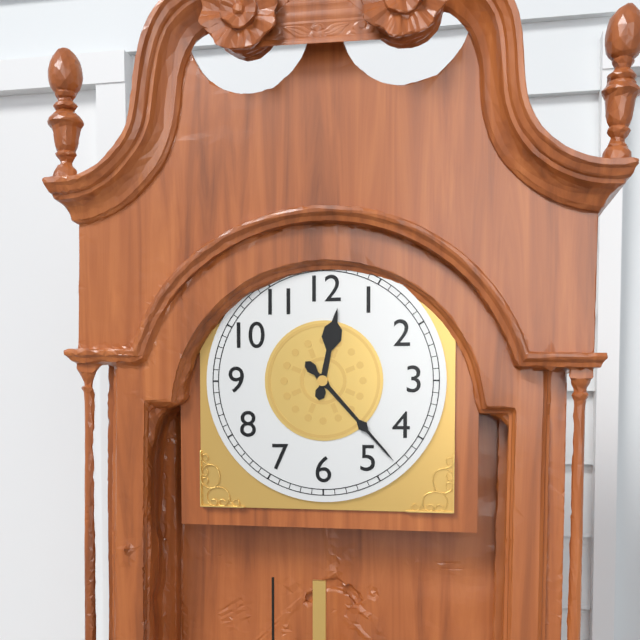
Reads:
{"hour": 12, "minute": 23}
